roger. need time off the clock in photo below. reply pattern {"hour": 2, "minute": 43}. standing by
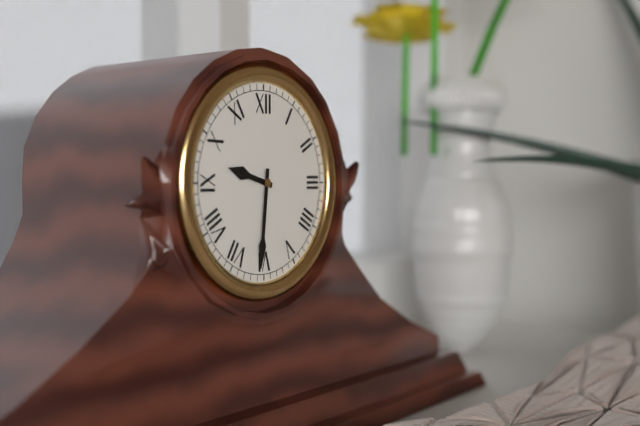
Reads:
{"hour": 9, "minute": 31}
